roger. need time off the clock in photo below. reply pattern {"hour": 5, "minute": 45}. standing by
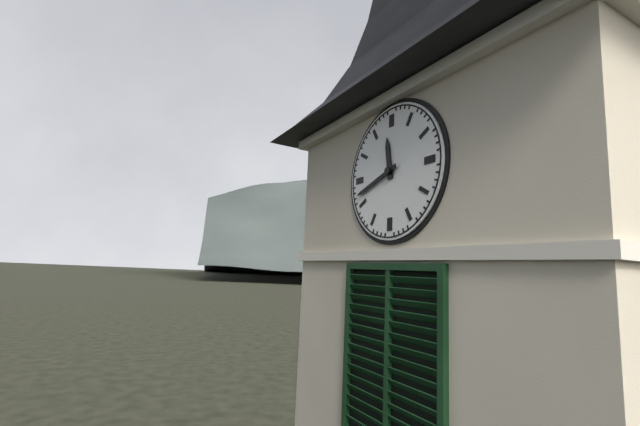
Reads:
{"hour": 11, "minute": 42}
